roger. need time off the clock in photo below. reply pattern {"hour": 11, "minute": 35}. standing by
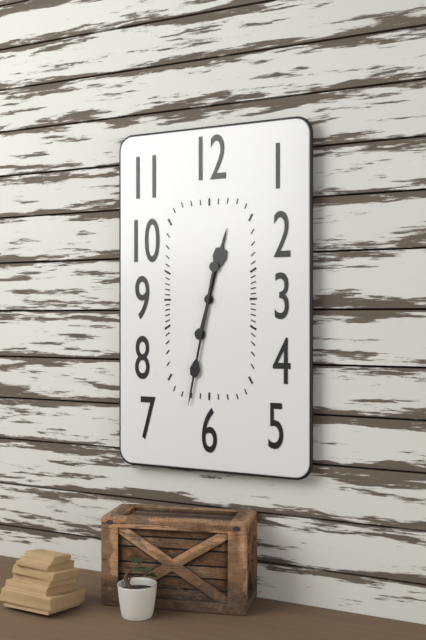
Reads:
{"hour": 12, "minute": 32}
